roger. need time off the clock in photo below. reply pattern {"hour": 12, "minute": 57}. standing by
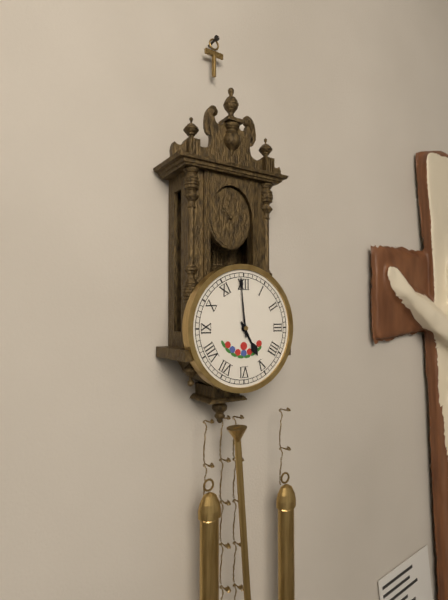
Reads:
{"hour": 4, "minute": 59}
